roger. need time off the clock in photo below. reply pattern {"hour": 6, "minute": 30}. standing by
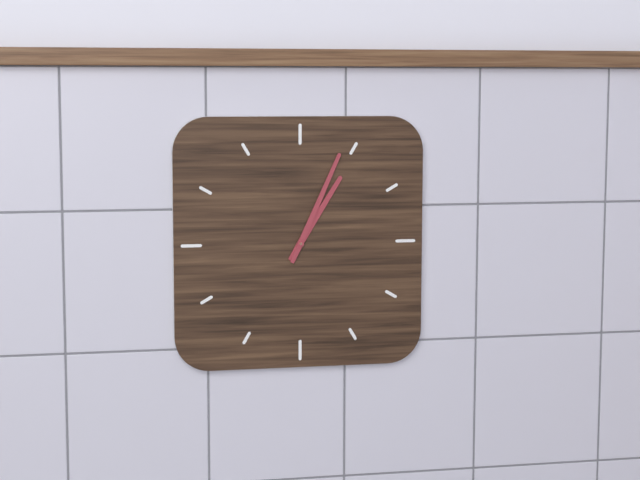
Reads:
{"hour": 1, "minute": 4}
